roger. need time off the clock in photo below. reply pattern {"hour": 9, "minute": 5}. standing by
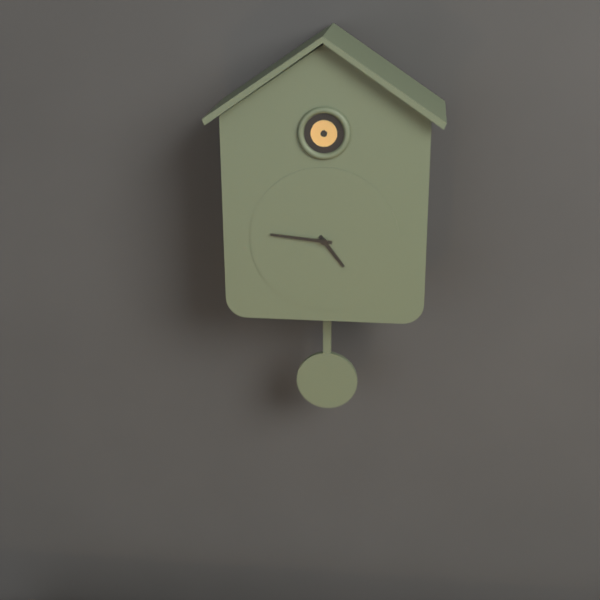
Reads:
{"hour": 4, "minute": 46}
